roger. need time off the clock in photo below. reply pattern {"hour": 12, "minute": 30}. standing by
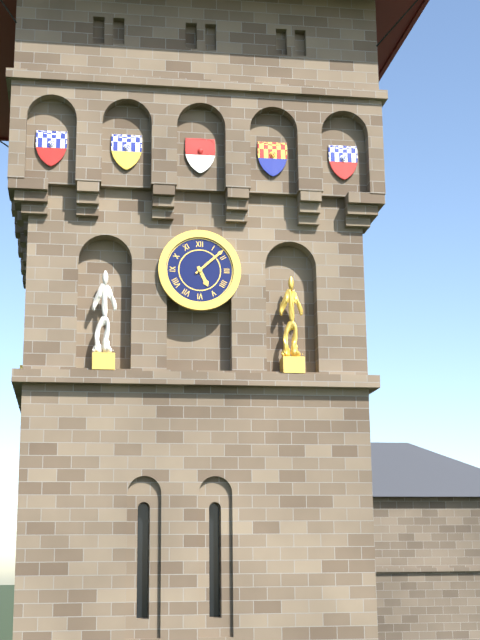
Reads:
{"hour": 5, "minute": 8}
